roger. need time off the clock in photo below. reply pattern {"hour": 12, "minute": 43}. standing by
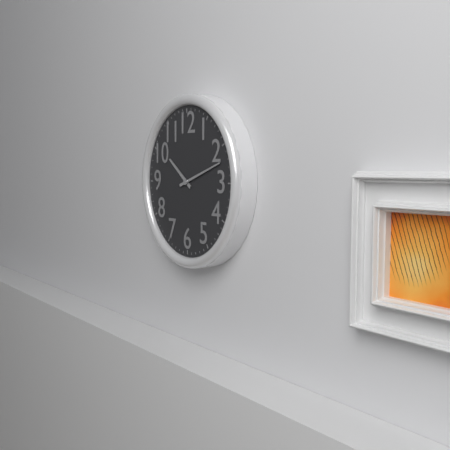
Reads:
{"hour": 10, "minute": 12}
